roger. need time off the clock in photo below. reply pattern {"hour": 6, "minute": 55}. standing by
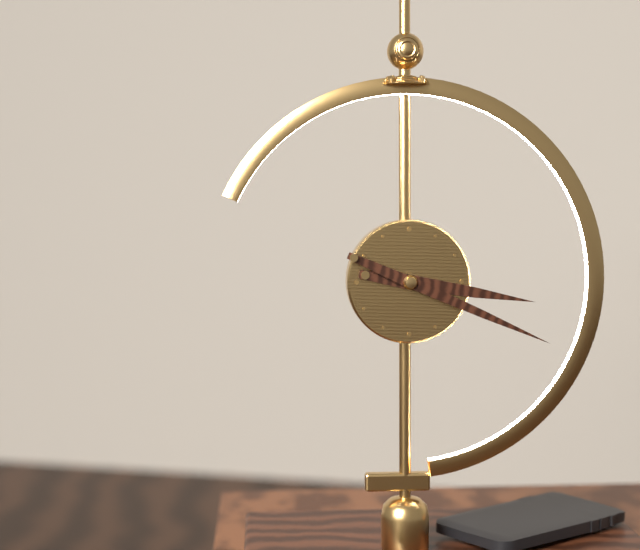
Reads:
{"hour": 3, "minute": 19}
